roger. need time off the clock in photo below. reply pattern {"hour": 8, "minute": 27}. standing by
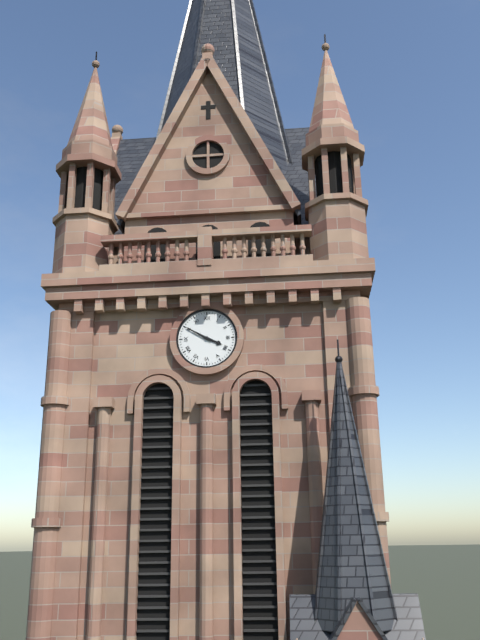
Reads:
{"hour": 3, "minute": 50}
